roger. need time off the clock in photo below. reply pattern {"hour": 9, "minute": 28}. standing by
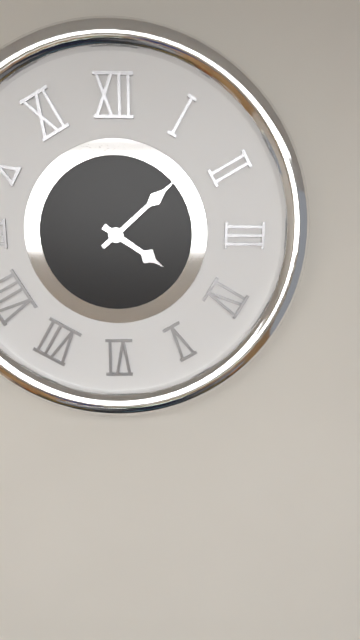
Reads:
{"hour": 4, "minute": 8}
